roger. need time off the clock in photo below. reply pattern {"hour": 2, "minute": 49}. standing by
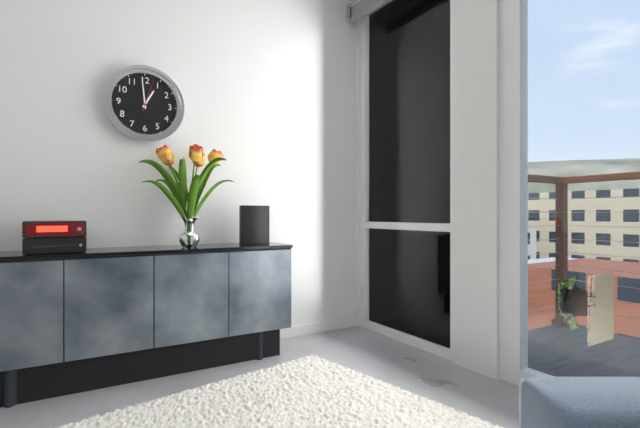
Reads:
{"hour": 12, "minute": 59}
